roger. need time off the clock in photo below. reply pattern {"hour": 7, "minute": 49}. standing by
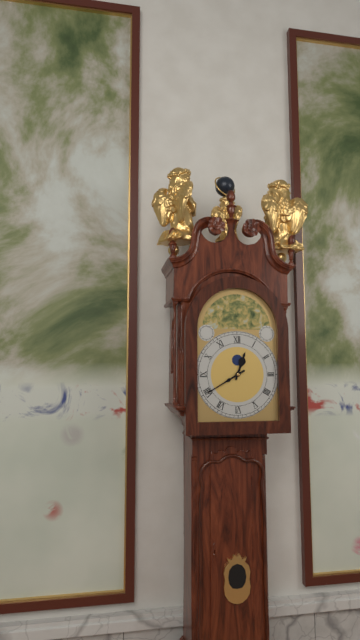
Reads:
{"hour": 12, "minute": 40}
